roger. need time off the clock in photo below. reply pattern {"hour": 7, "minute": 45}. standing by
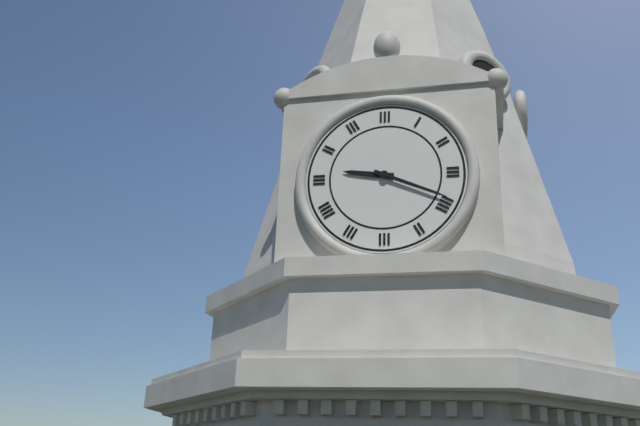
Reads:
{"hour": 9, "minute": 19}
